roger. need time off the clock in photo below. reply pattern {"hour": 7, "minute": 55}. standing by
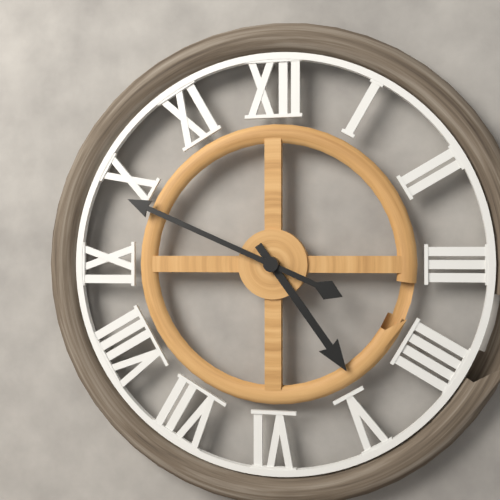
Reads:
{"hour": 4, "minute": 49}
